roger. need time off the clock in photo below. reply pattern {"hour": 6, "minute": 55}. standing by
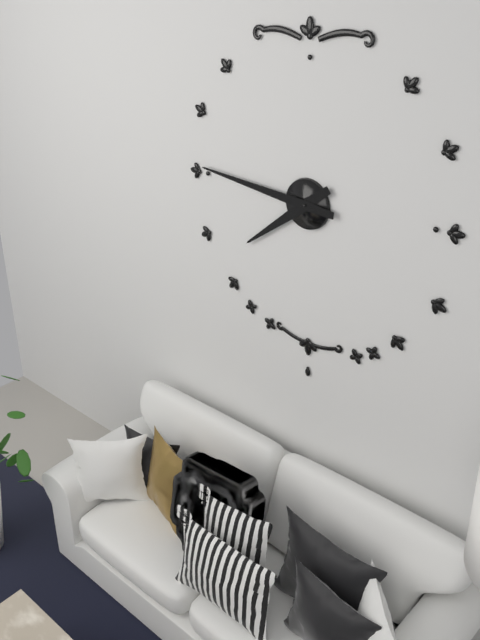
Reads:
{"hour": 7, "minute": 46}
